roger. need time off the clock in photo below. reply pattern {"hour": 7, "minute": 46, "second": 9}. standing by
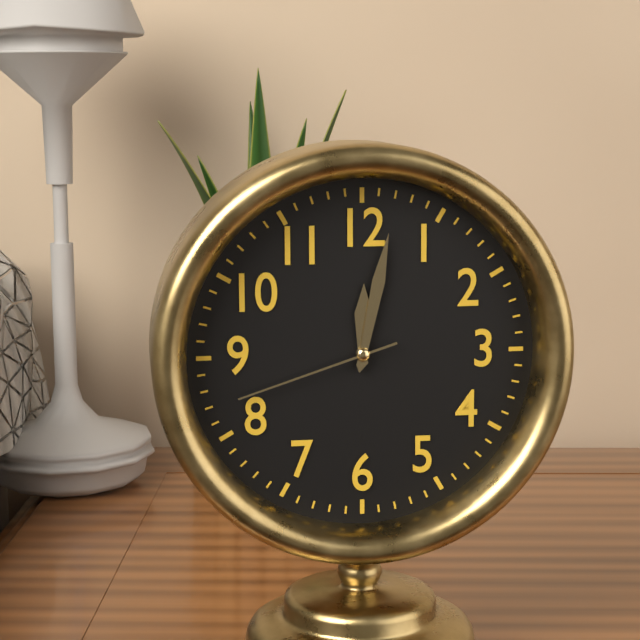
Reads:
{"hour": 12, "minute": 2, "second": 42}
